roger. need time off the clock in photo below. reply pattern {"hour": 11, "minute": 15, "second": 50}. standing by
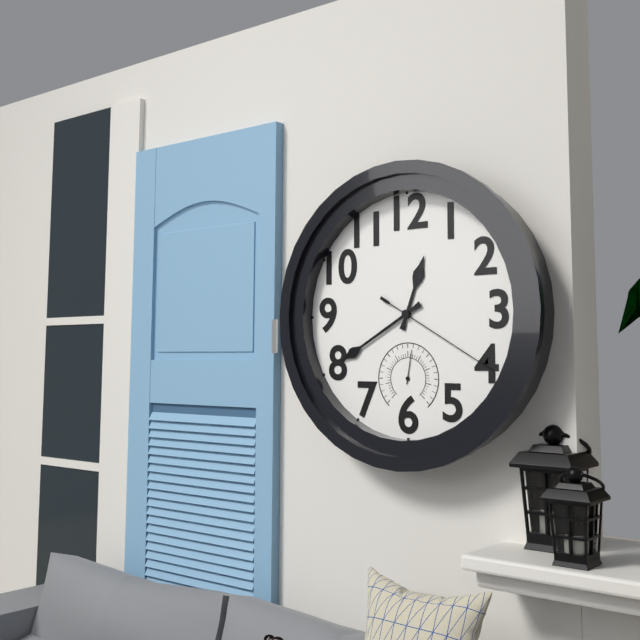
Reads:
{"hour": 12, "minute": 40, "second": 20}
